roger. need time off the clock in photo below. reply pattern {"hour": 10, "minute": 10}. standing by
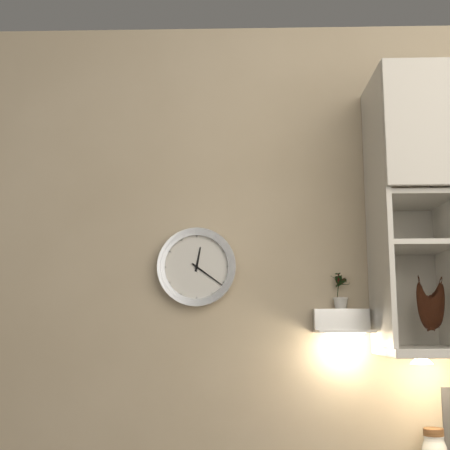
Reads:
{"hour": 12, "minute": 21}
